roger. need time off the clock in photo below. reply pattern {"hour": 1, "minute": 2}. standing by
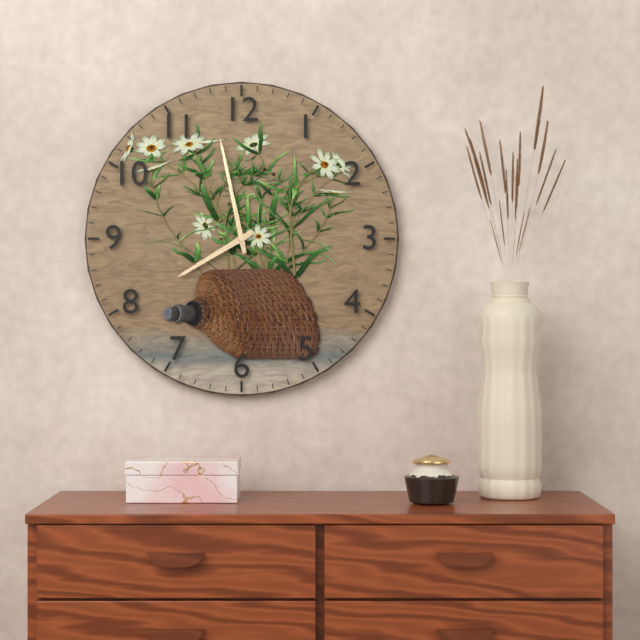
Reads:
{"hour": 7, "minute": 58}
